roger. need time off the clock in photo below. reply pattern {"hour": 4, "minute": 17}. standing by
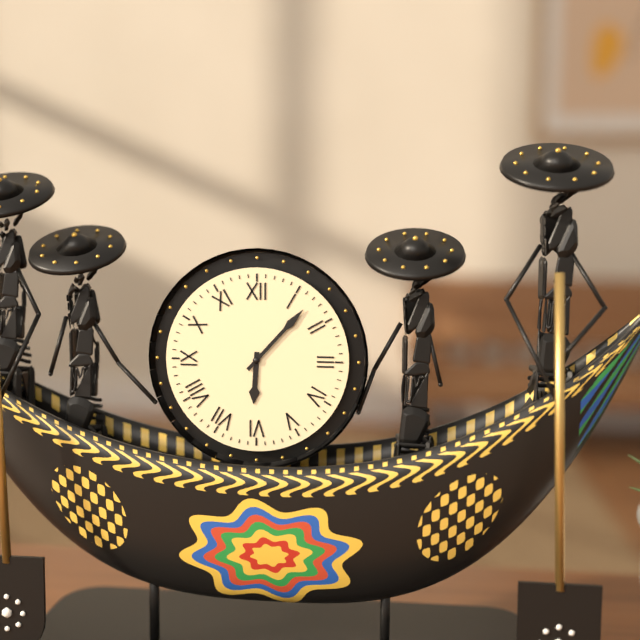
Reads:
{"hour": 6, "minute": 7}
